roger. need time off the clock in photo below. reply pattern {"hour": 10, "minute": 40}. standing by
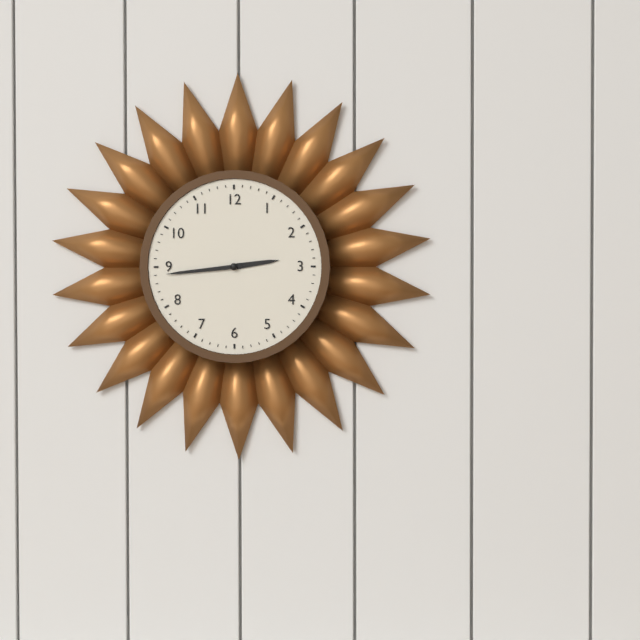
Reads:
{"hour": 2, "minute": 44}
